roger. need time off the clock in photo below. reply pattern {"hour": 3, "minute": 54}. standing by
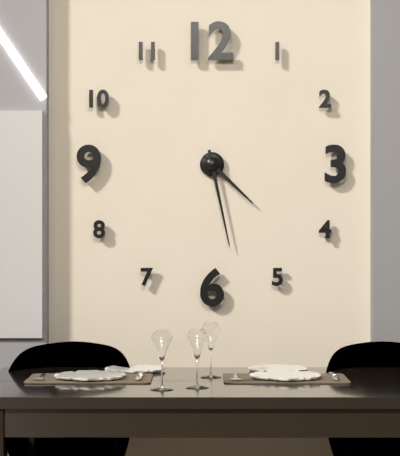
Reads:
{"hour": 4, "minute": 28}
